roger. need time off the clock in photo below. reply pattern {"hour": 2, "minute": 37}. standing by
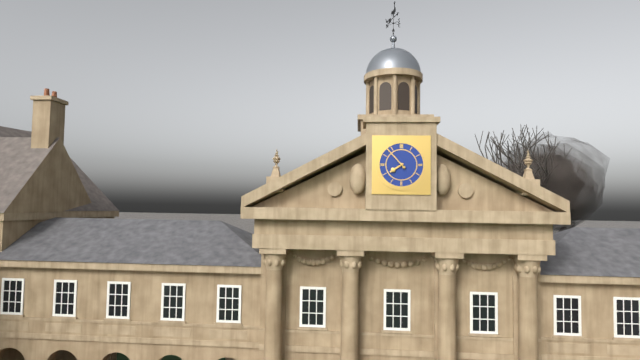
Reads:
{"hour": 7, "minute": 53}
